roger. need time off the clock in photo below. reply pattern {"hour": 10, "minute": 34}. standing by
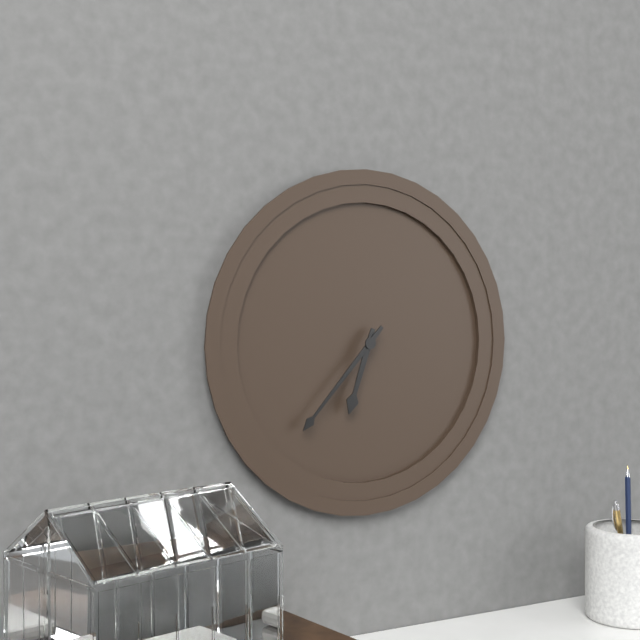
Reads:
{"hour": 6, "minute": 37}
